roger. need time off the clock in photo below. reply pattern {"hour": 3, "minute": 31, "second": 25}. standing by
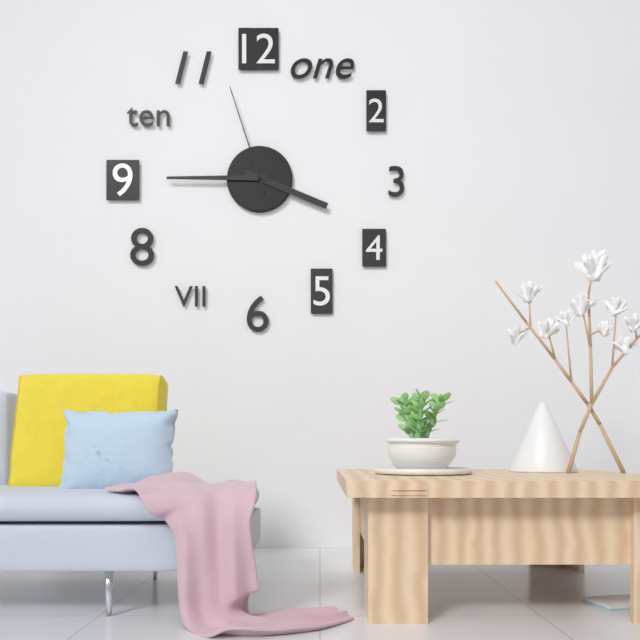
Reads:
{"hour": 3, "minute": 45, "second": 57}
